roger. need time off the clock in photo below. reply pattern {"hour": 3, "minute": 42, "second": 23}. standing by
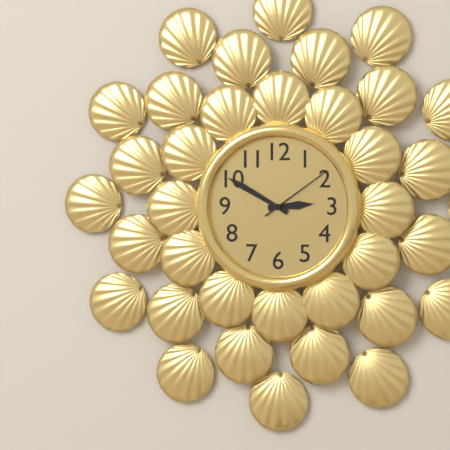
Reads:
{"hour": 2, "minute": 50, "second": 9}
